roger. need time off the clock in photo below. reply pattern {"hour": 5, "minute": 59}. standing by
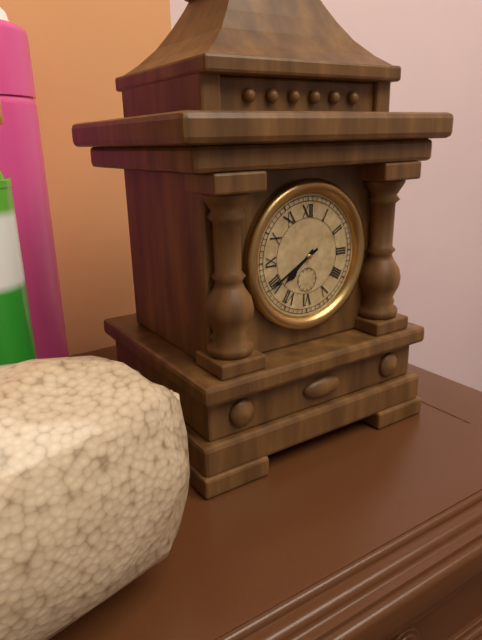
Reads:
{"hour": 7, "minute": 40}
